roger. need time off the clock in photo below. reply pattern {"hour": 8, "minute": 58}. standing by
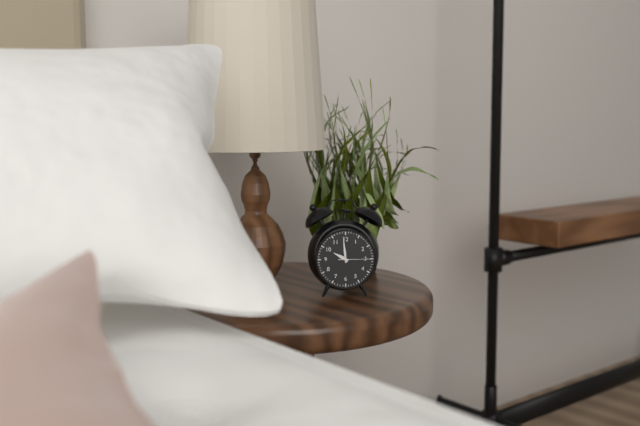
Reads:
{"hour": 9, "minute": 59}
